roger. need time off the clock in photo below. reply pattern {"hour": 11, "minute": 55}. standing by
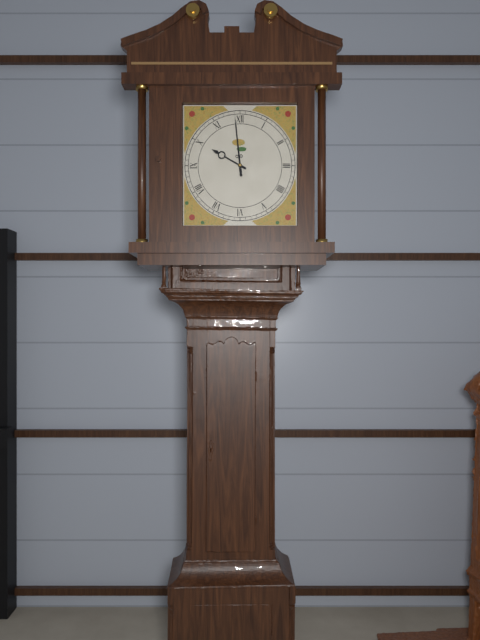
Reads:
{"hour": 9, "minute": 59}
